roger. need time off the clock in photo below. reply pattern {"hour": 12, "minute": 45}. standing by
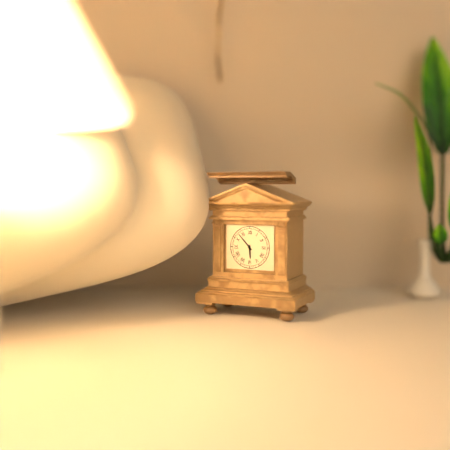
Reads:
{"hour": 5, "minute": 53}
